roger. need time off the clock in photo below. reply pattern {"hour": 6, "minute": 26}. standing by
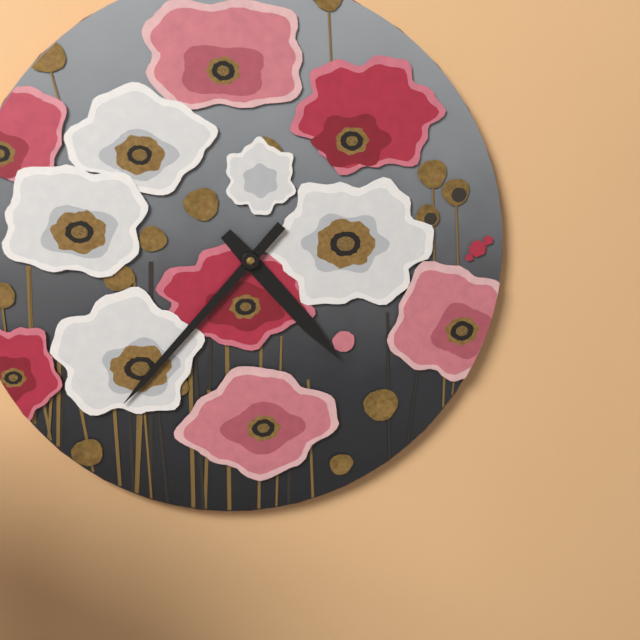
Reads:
{"hour": 4, "minute": 37}
